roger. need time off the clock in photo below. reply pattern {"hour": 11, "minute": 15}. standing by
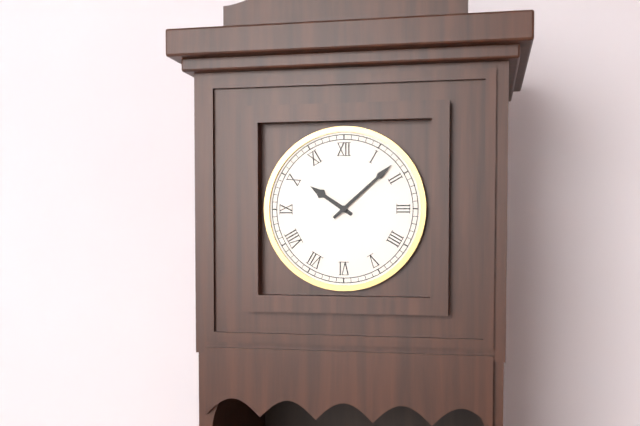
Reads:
{"hour": 10, "minute": 8}
